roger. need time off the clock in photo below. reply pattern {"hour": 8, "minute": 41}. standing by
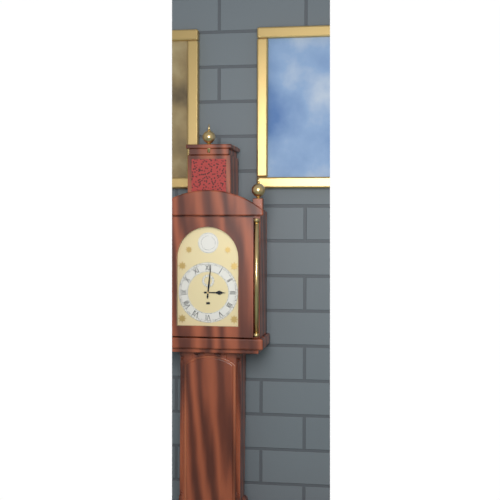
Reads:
{"hour": 3, "minute": 1}
